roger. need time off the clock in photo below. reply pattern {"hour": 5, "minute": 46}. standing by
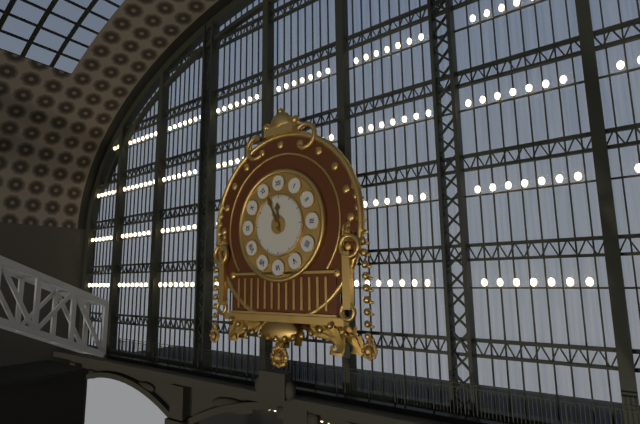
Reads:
{"hour": 11, "minute": 56}
